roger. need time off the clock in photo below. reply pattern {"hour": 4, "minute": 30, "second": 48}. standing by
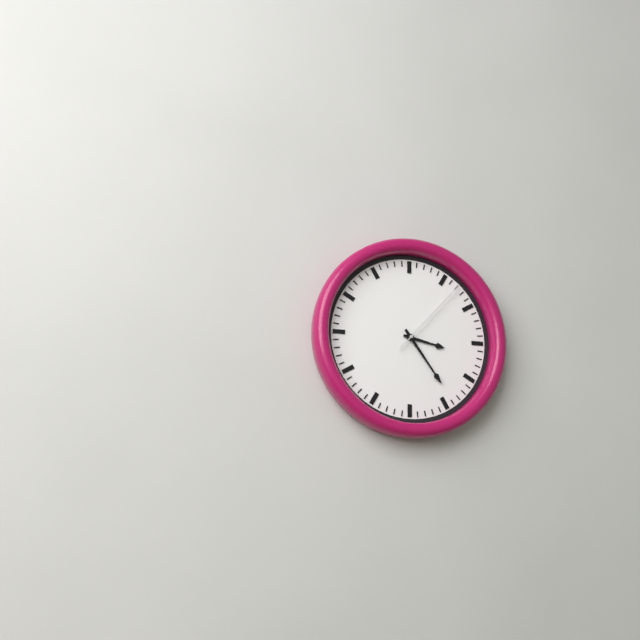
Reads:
{"hour": 3, "minute": 24, "second": 7}
